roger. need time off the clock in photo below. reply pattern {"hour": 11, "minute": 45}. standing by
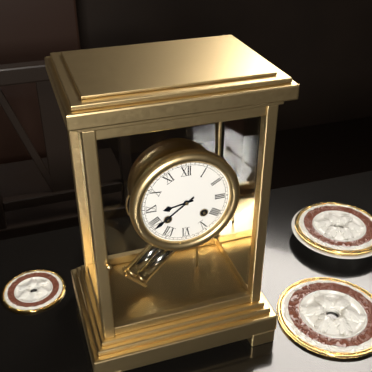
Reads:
{"hour": 8, "minute": 39}
